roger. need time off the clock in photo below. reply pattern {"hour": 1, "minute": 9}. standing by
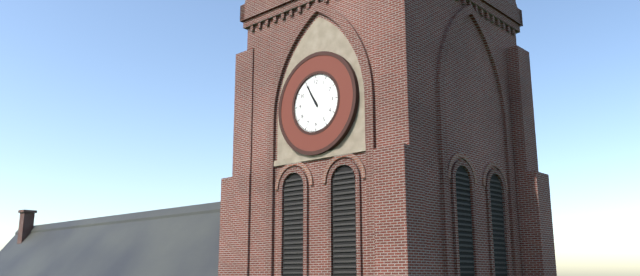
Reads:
{"hour": 10, "minute": 55}
